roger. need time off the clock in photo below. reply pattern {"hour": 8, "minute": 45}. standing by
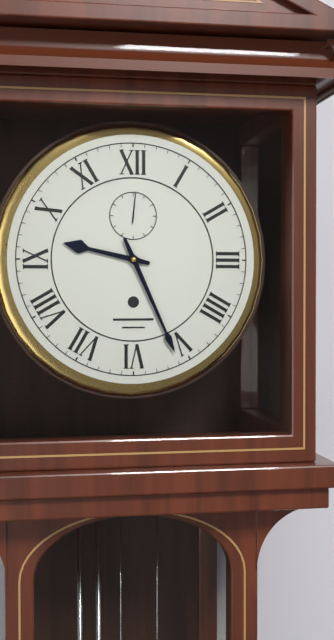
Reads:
{"hour": 9, "minute": 26}
